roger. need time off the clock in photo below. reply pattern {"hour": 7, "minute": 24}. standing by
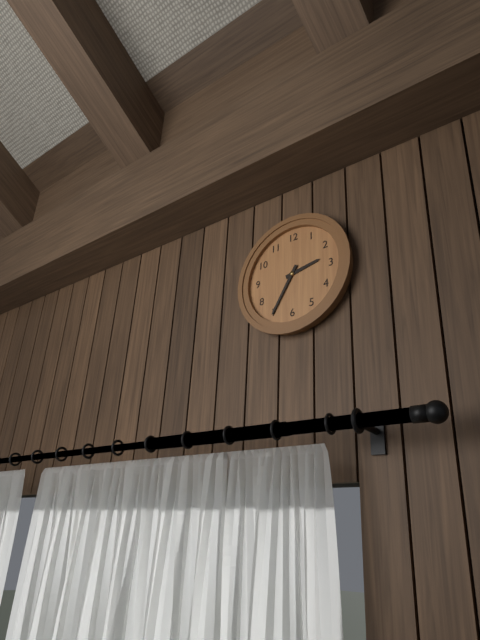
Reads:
{"hour": 2, "minute": 35}
